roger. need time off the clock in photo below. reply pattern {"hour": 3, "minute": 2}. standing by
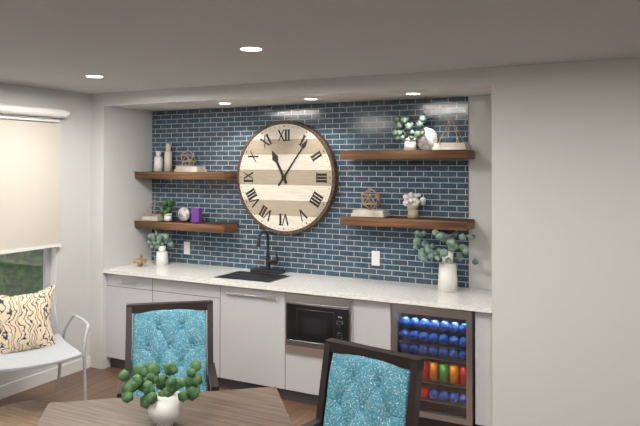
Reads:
{"hour": 11, "minute": 6}
